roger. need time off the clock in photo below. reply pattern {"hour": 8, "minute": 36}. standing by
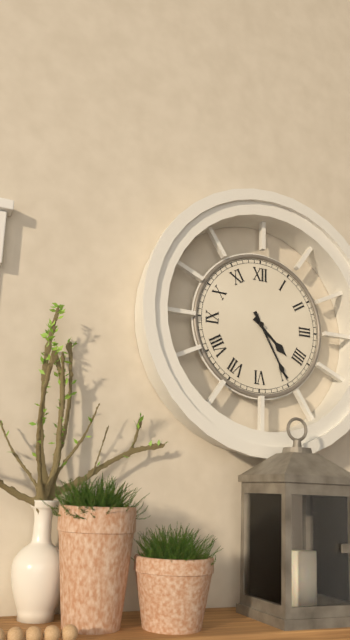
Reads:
{"hour": 4, "minute": 25}
